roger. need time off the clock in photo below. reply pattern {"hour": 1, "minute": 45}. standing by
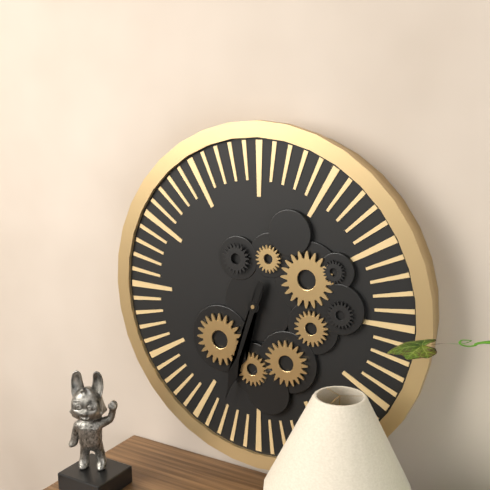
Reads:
{"hour": 6, "minute": 33}
